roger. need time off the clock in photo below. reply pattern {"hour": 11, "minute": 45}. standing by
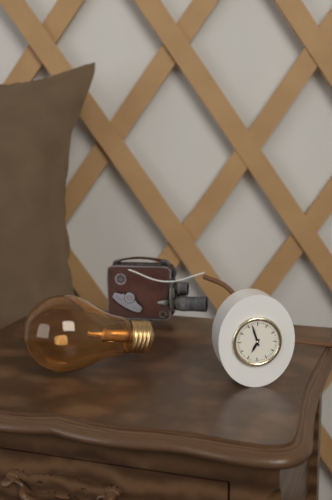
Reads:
{"hour": 6, "minute": 57}
